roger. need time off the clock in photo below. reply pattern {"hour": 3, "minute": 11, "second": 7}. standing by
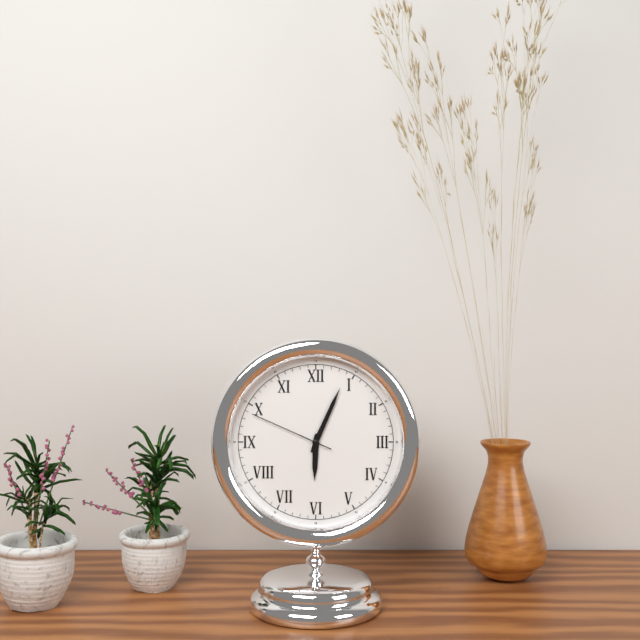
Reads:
{"hour": 6, "minute": 4, "second": 49}
